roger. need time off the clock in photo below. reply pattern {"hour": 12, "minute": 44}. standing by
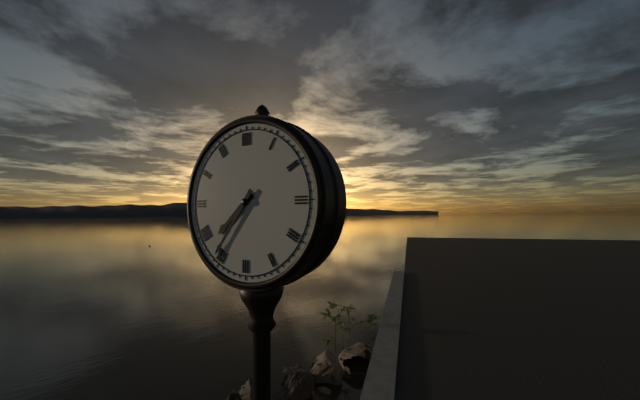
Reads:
{"hour": 7, "minute": 36}
